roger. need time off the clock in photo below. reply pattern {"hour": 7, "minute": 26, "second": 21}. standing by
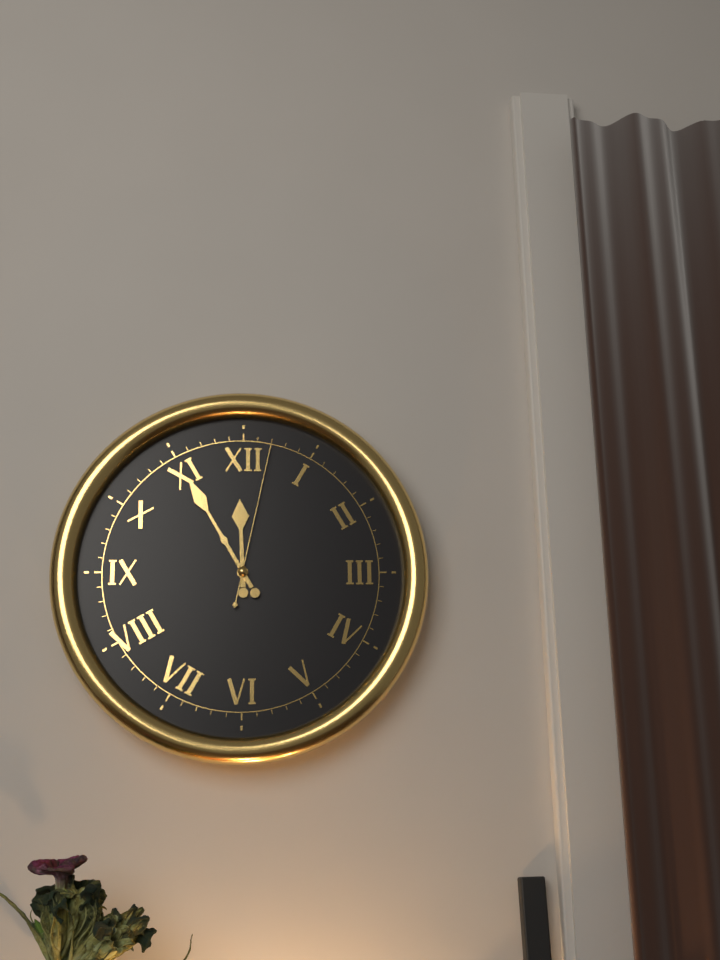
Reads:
{"hour": 11, "minute": 55, "second": 2}
